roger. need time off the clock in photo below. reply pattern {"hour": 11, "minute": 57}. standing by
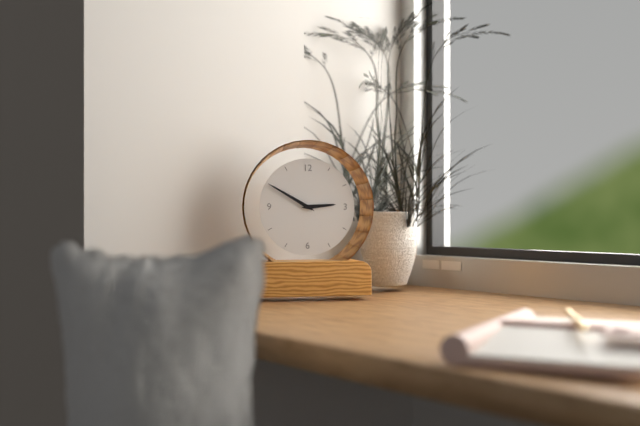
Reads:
{"hour": 2, "minute": 50}
